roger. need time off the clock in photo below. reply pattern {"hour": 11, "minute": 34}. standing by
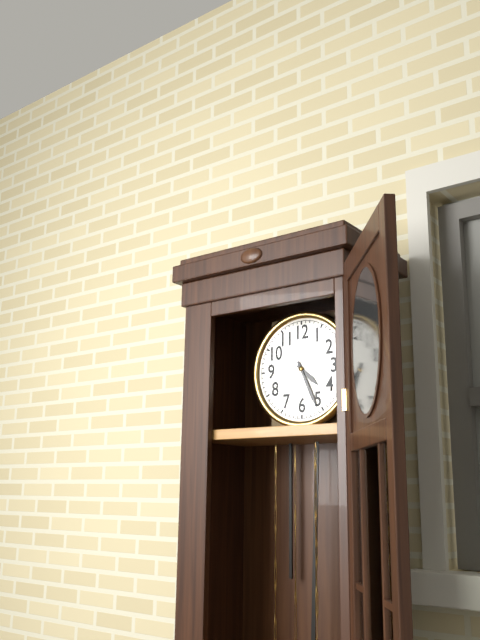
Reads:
{"hour": 4, "minute": 26}
